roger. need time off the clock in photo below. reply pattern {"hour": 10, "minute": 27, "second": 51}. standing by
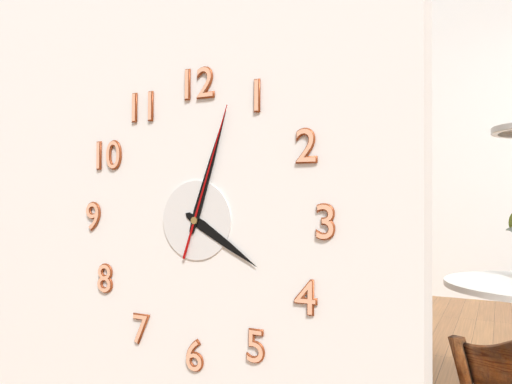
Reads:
{"hour": 4, "minute": 3, "second": 3}
